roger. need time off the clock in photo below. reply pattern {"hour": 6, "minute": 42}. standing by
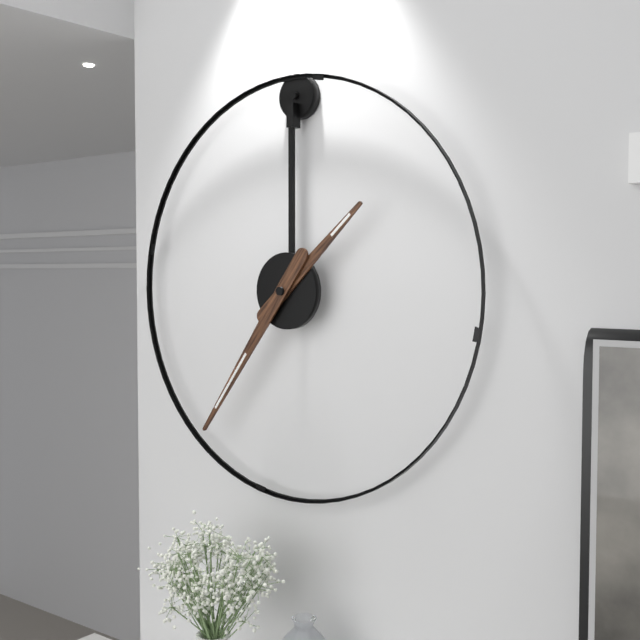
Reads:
{"hour": 1, "minute": 36}
